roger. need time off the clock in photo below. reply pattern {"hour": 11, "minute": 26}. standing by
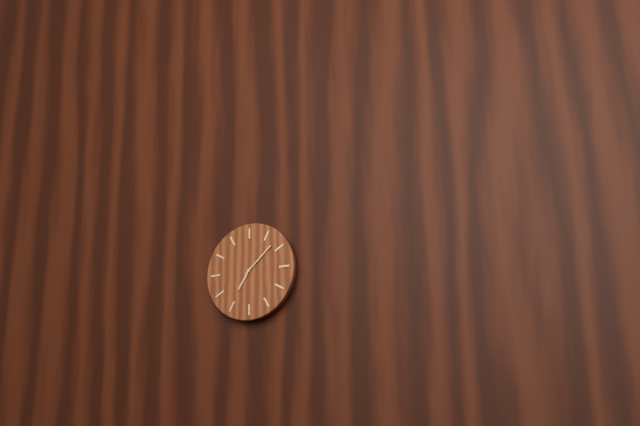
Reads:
{"hour": 7, "minute": 8}
